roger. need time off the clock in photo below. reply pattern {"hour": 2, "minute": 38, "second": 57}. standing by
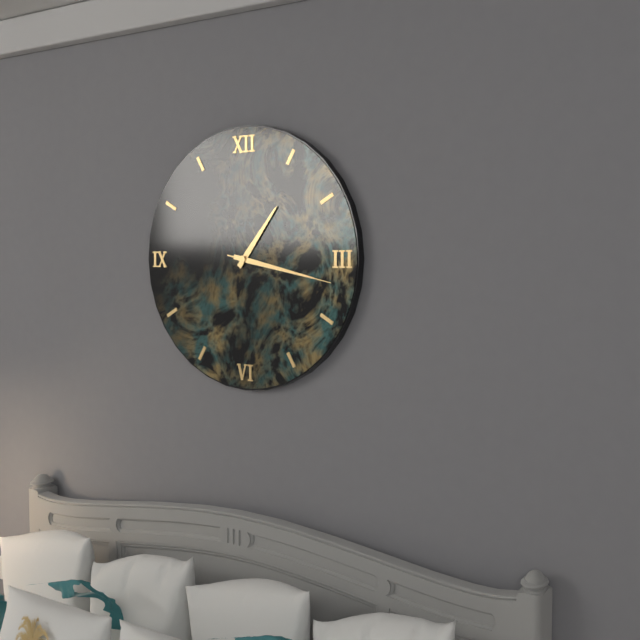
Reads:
{"hour": 1, "minute": 17, "second": 17}
